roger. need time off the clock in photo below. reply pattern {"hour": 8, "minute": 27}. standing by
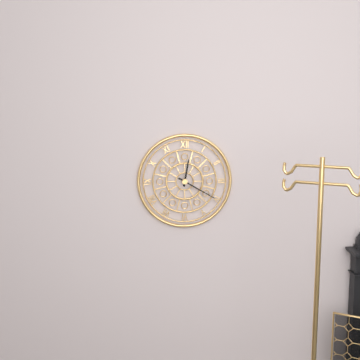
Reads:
{"hour": 12, "minute": 20}
